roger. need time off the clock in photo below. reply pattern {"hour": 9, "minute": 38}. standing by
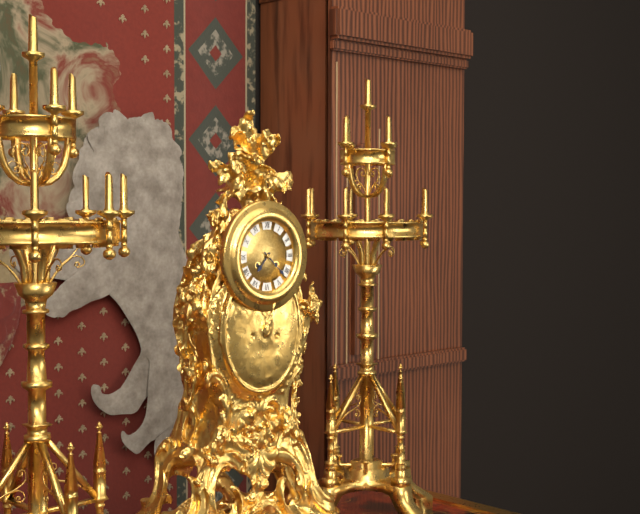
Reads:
{"hour": 7, "minute": 22}
